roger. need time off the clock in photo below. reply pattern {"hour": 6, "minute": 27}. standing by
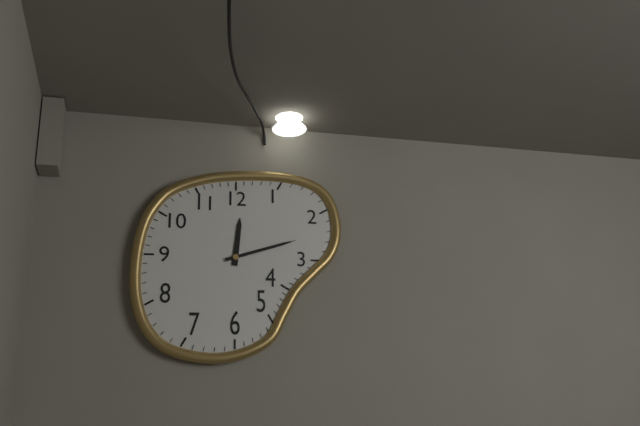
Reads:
{"hour": 12, "minute": 12}
